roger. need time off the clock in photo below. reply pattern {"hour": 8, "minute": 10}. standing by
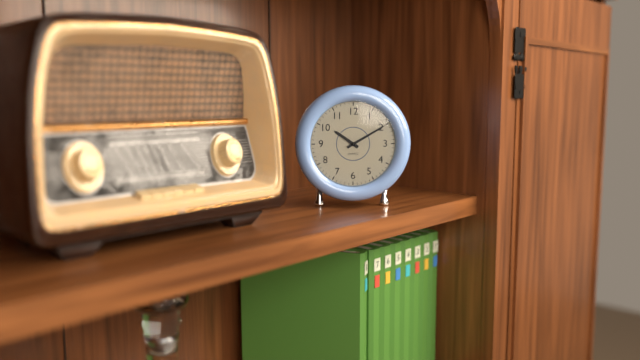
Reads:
{"hour": 10, "minute": 10}
